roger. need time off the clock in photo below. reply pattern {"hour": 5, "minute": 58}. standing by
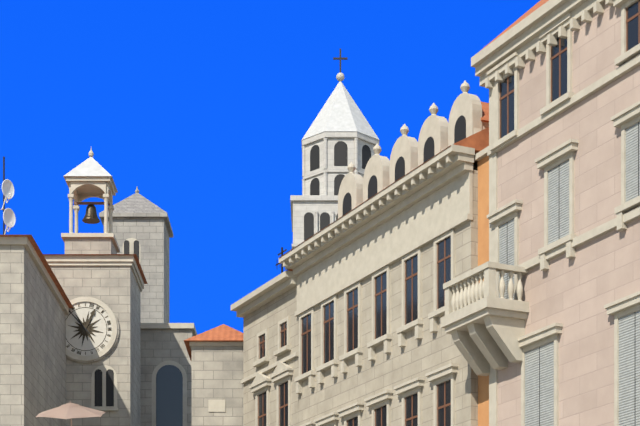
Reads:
{"hour": 12, "minute": 53}
